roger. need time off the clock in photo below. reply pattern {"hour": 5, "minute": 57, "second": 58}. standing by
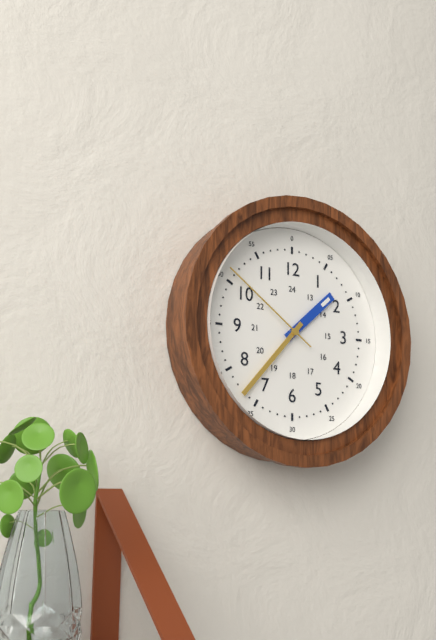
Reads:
{"hour": 1, "minute": 37, "second": 51}
